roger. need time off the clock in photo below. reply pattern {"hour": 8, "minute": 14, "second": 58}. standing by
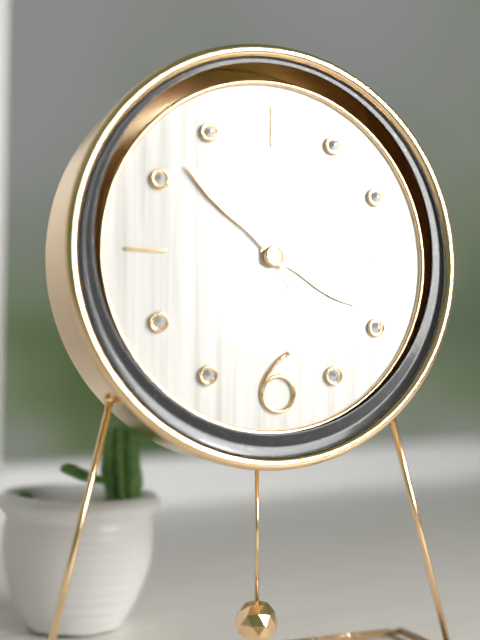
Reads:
{"hour": 3, "minute": 52, "second": 54}
